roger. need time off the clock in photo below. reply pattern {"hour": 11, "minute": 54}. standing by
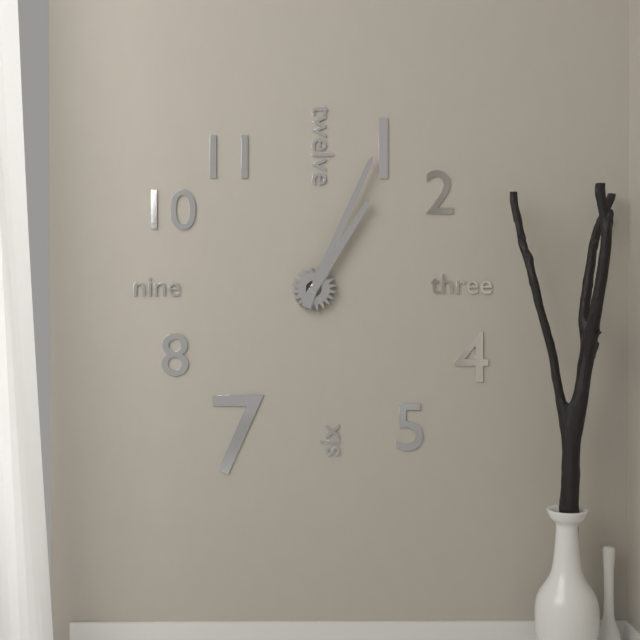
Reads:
{"hour": 1, "minute": 4}
